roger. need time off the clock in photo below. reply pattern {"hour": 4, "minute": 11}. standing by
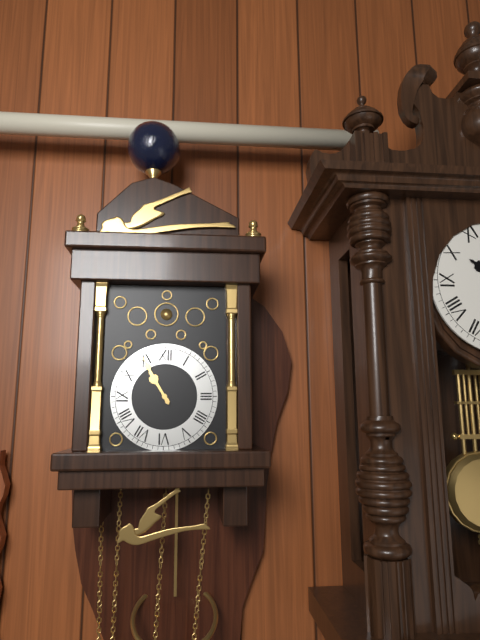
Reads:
{"hour": 10, "minute": 55}
